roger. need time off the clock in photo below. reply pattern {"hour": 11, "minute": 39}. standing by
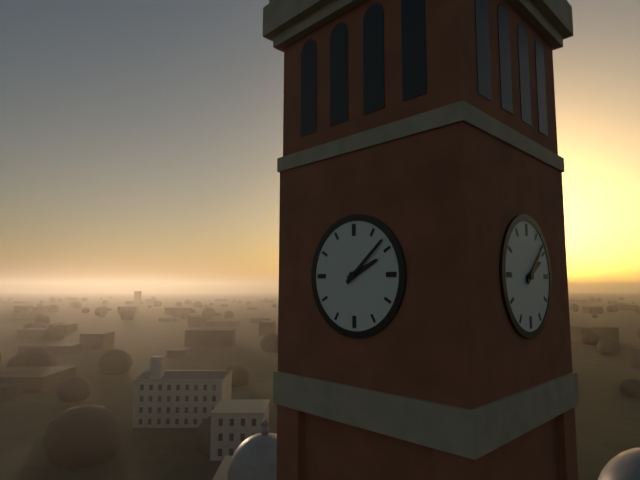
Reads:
{"hour": 2, "minute": 8}
